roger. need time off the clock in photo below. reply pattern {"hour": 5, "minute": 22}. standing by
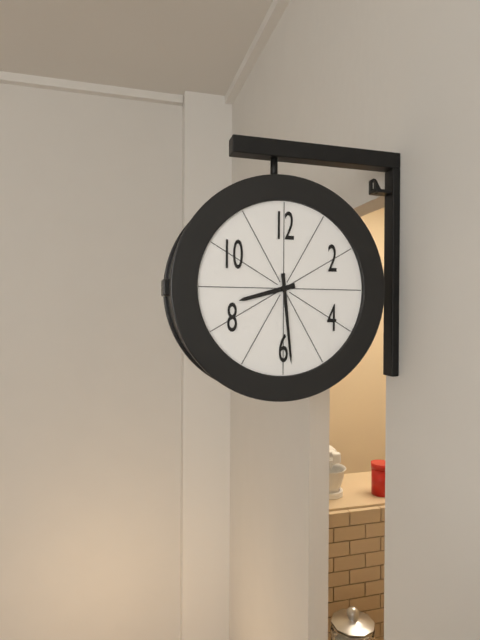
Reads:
{"hour": 8, "minute": 29}
